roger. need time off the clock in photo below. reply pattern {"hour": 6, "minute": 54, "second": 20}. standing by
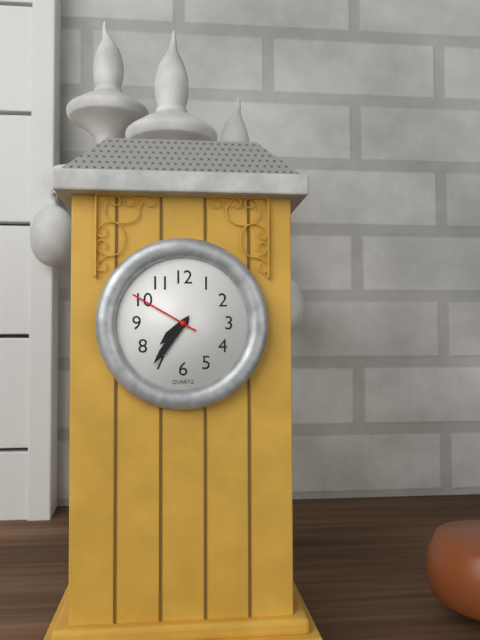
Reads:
{"hour": 7, "minute": 36, "second": 50}
